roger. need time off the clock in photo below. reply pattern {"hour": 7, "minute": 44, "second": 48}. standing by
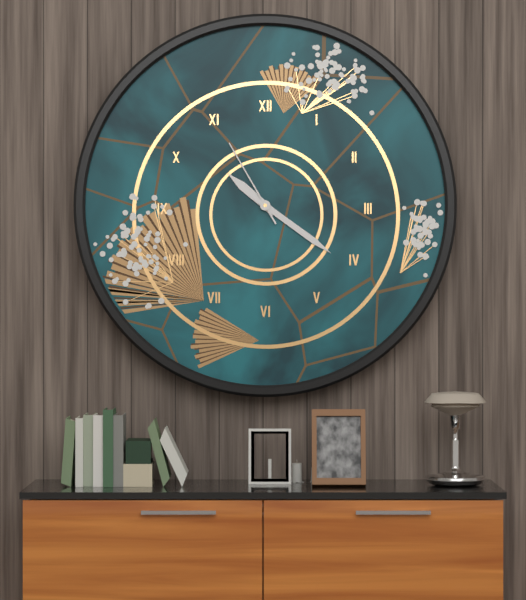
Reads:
{"hour": 10, "minute": 21, "second": 55}
